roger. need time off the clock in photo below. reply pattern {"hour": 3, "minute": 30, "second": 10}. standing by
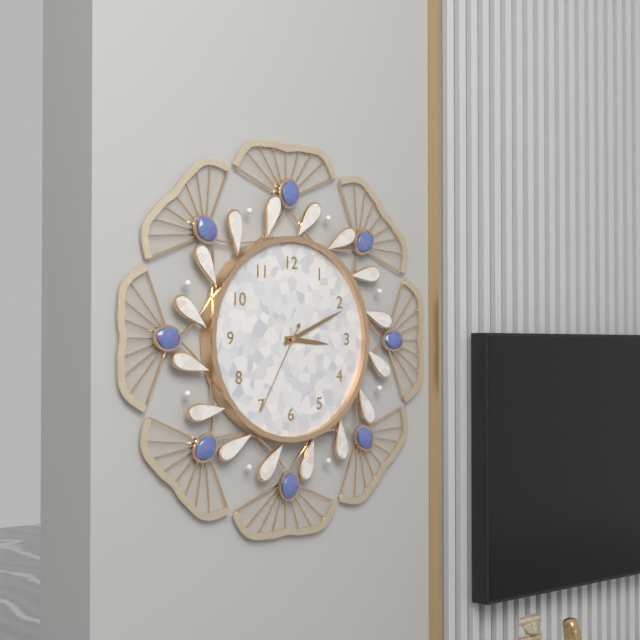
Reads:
{"hour": 3, "minute": 11, "second": 35}
